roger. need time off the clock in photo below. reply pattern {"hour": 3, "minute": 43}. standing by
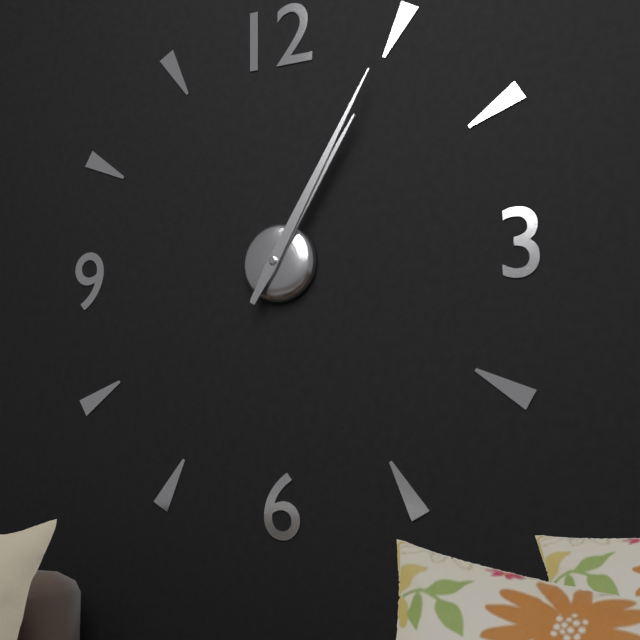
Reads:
{"hour": 1, "minute": 5}
